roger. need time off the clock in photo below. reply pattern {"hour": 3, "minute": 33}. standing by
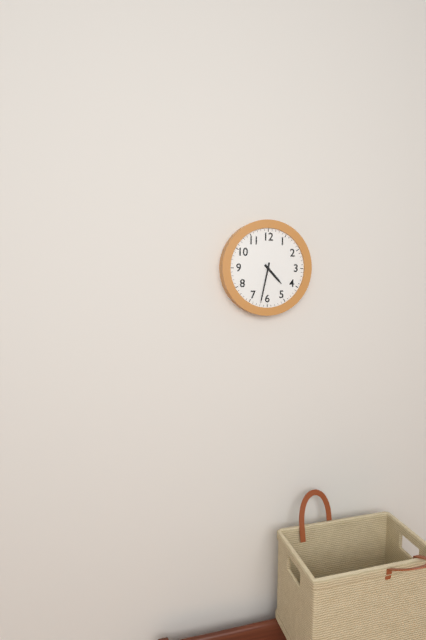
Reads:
{"hour": 4, "minute": 32}
